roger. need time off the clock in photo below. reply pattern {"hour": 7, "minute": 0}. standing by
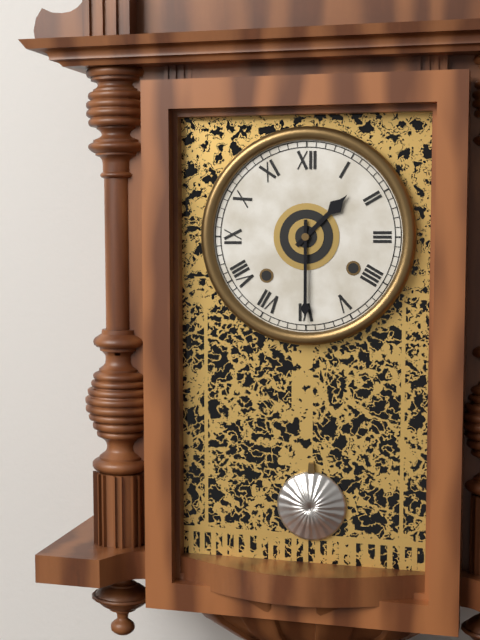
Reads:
{"hour": 1, "minute": 30}
